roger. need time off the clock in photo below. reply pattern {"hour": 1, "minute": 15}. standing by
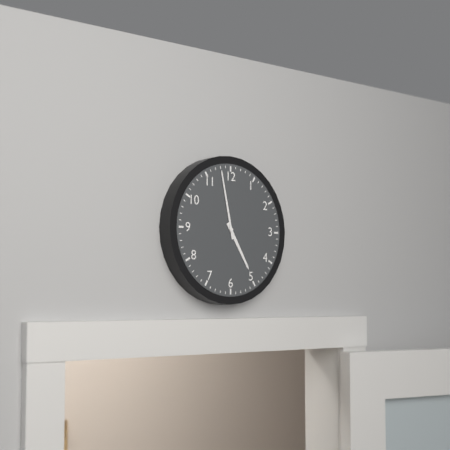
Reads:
{"hour": 4, "minute": 58}
